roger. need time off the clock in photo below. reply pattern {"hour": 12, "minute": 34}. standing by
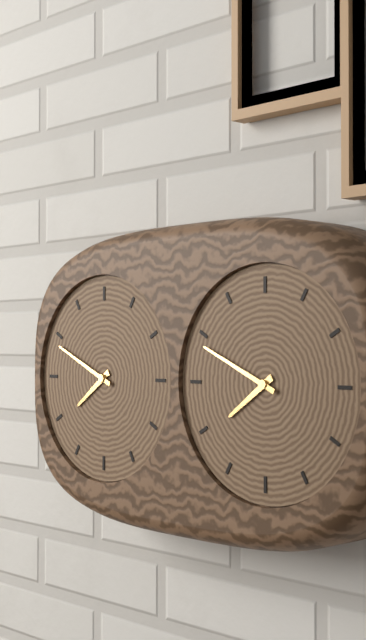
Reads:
{"hour": 7, "minute": 49}
